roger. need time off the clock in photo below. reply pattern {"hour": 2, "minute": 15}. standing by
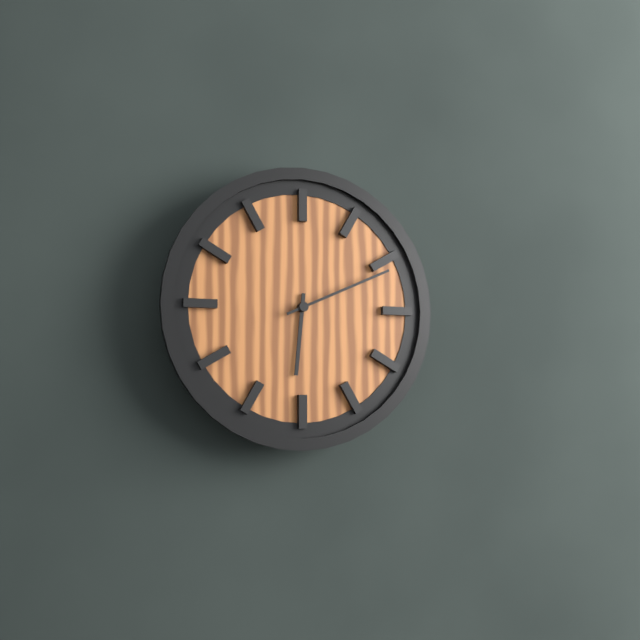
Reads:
{"hour": 6, "minute": 11}
